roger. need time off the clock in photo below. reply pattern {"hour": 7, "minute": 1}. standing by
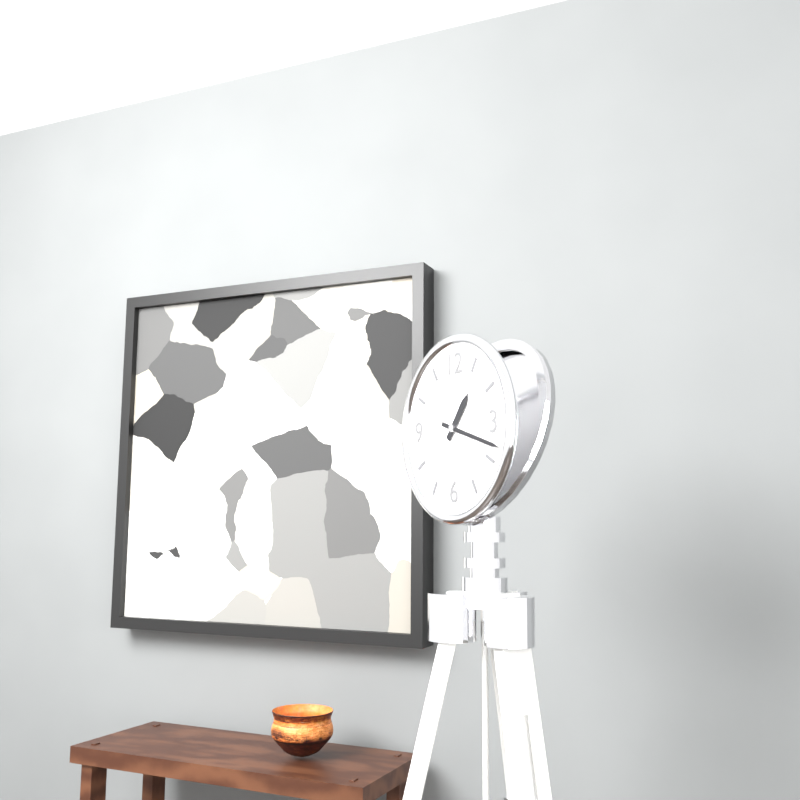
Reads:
{"hour": 1, "minute": 18}
